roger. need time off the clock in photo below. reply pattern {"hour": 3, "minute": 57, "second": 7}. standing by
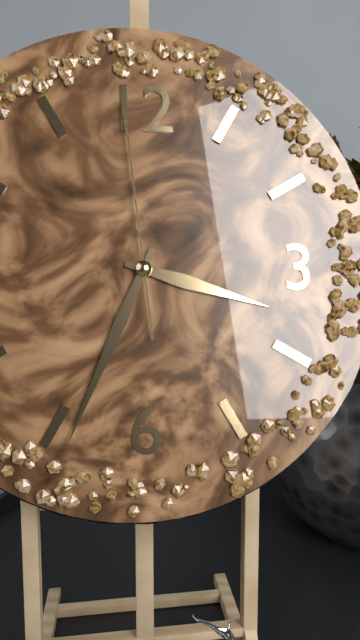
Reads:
{"hour": 3, "minute": 34, "second": 59}
